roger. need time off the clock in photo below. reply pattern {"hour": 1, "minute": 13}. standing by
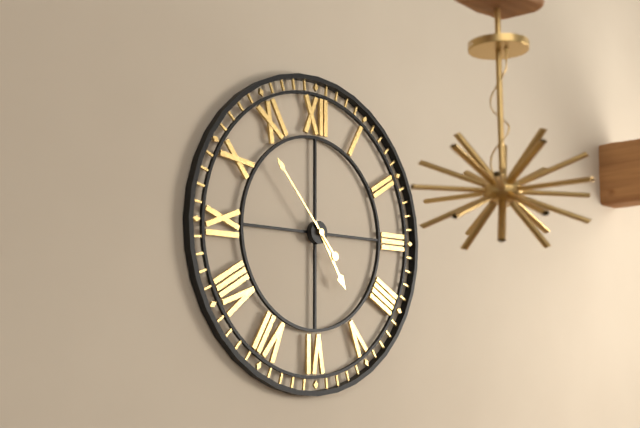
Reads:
{"hour": 4, "minute": 53}
